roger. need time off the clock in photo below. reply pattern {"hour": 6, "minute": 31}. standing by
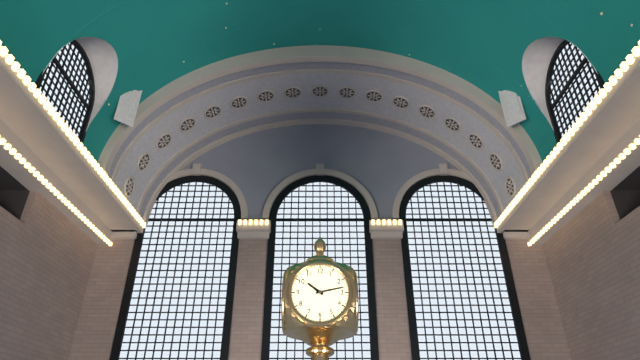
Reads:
{"hour": 10, "minute": 13}
